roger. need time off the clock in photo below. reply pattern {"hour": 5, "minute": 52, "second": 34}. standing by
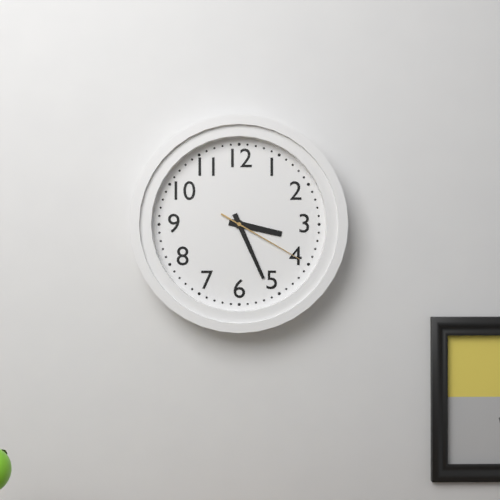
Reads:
{"hour": 3, "minute": 26, "second": 20}
